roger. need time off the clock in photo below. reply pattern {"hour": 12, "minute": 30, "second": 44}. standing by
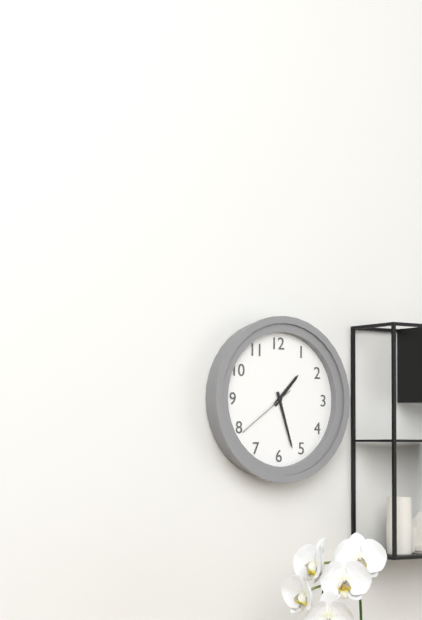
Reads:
{"hour": 1, "minute": 27, "second": 39}
